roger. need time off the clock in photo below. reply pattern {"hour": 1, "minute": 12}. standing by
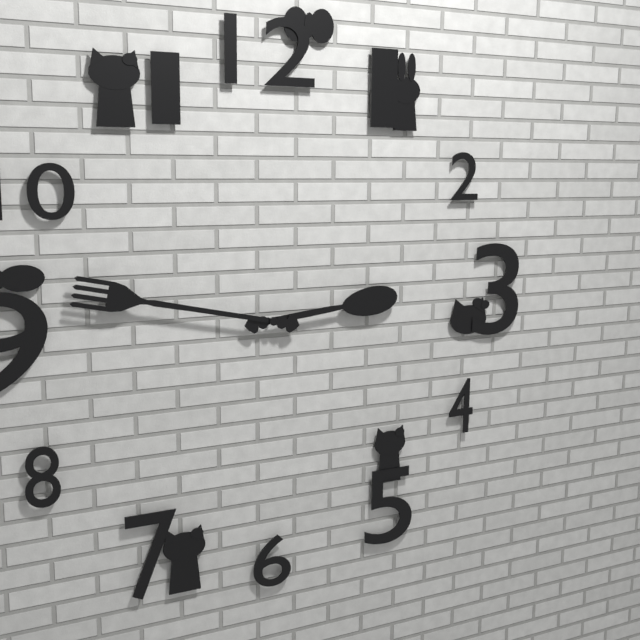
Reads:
{"hour": 2, "minute": 47}
